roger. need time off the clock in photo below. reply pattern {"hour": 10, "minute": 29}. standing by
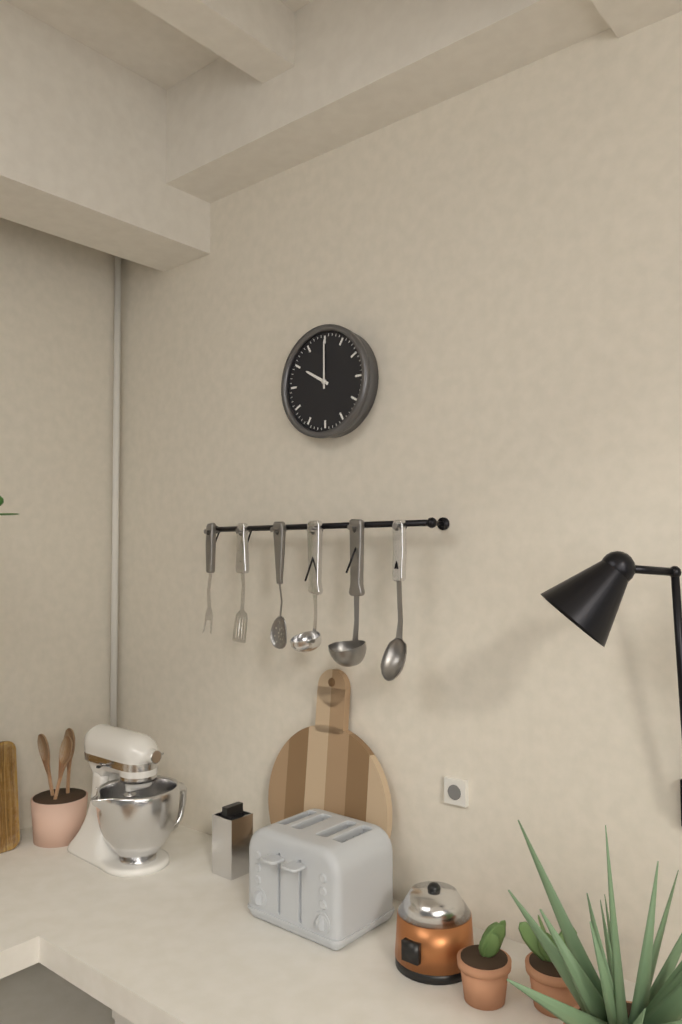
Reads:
{"hour": 10, "minute": 0}
